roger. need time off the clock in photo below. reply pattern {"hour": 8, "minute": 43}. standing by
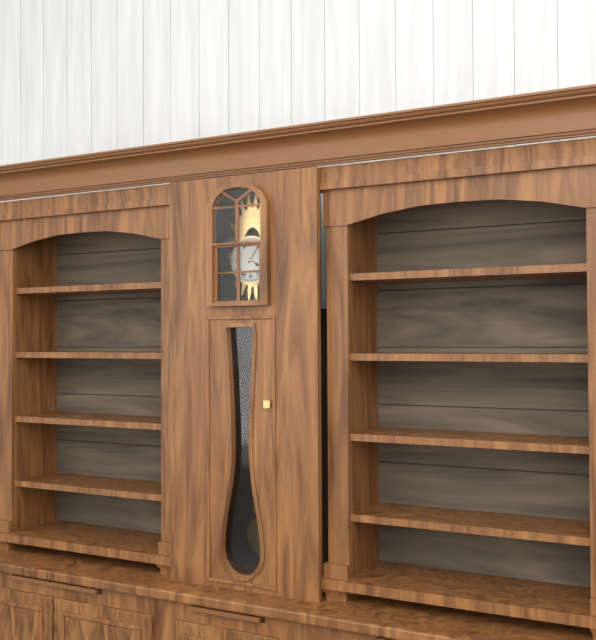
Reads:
{"hour": 4, "minute": 6}
